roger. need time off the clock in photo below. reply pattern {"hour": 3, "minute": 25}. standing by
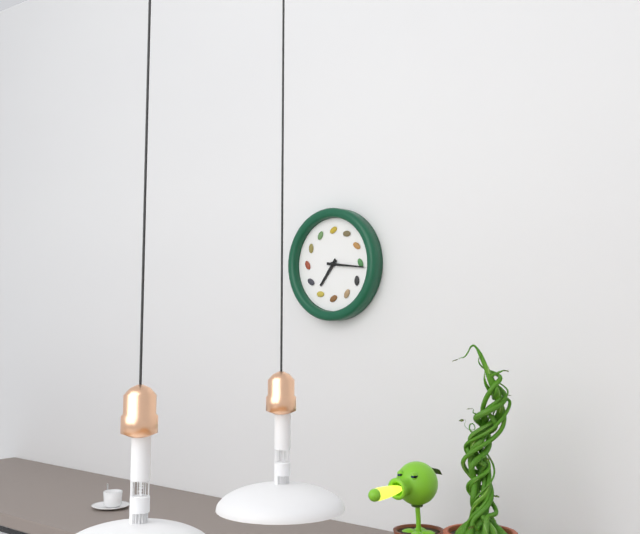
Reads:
{"hour": 7, "minute": 16}
